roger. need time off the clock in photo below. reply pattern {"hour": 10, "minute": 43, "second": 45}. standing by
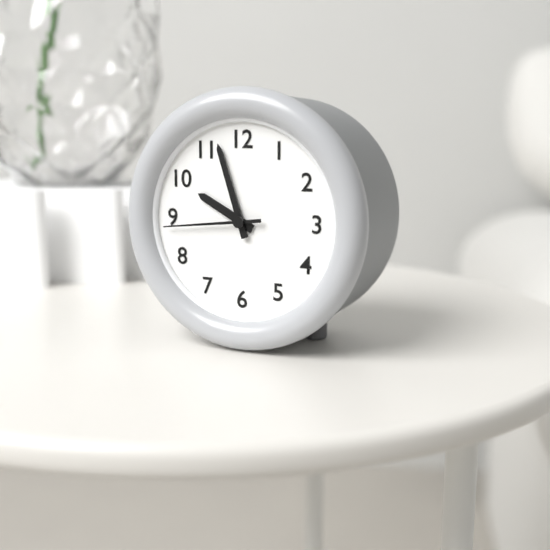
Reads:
{"hour": 9, "minute": 57, "second": 44}
